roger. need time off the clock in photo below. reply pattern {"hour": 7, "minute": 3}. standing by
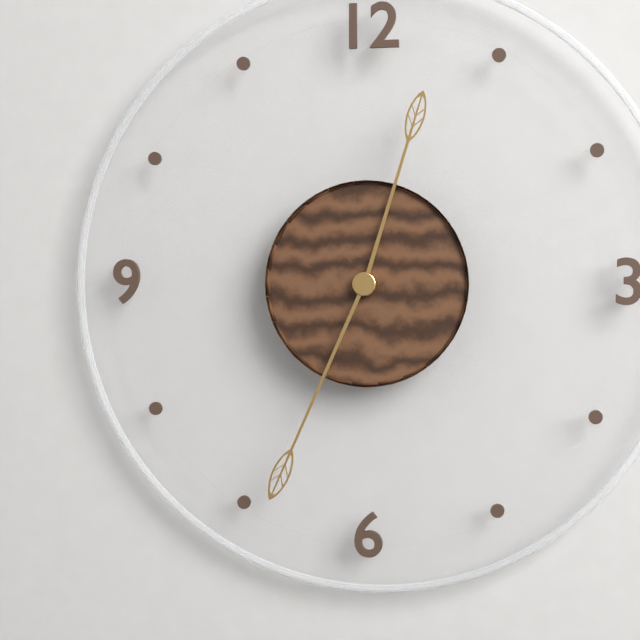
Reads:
{"hour": 12, "minute": 34}
